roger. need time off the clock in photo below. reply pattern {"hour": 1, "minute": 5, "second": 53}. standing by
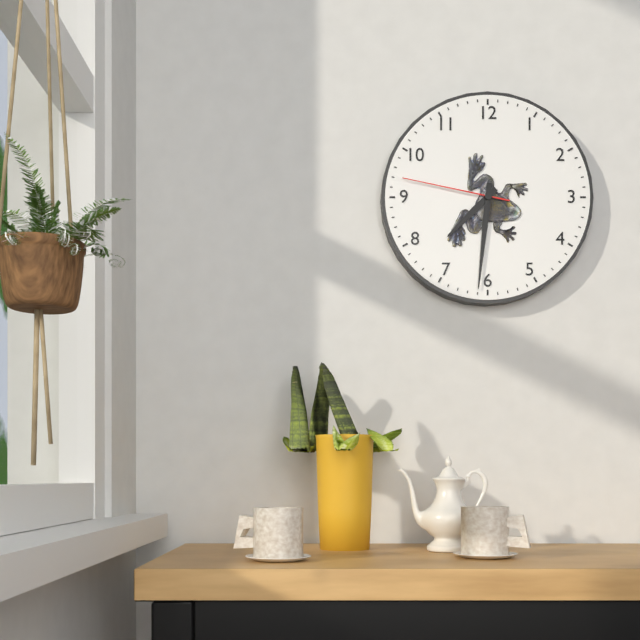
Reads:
{"hour": 7, "minute": 31, "second": 47}
